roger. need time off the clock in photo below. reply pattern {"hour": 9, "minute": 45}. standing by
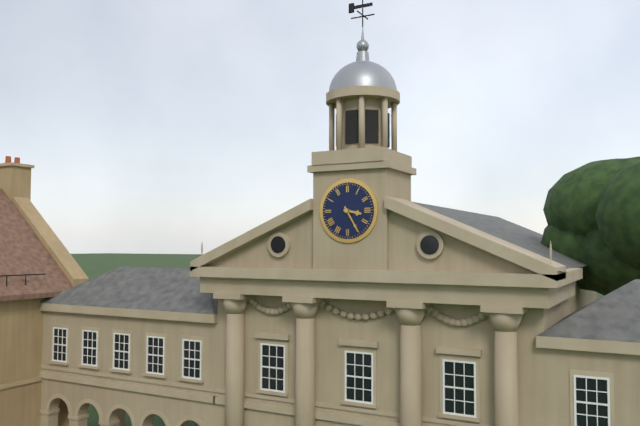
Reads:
{"hour": 3, "minute": 25}
